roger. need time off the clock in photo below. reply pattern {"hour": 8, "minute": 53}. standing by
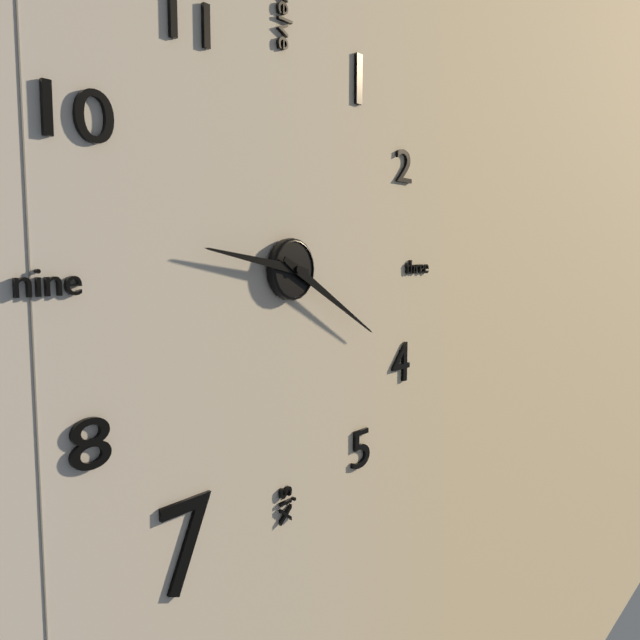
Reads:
{"hour": 9, "minute": 20}
